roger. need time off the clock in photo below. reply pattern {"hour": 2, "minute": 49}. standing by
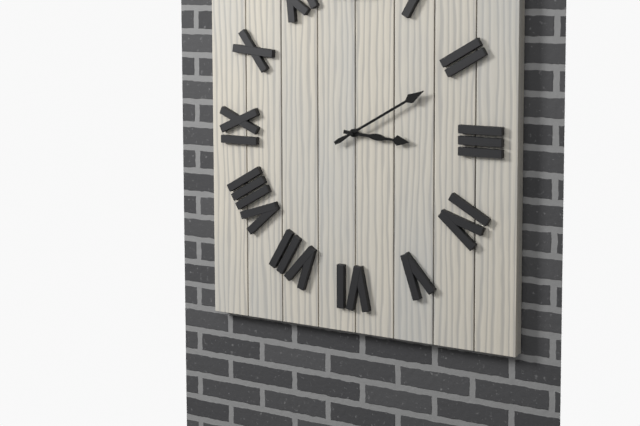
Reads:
{"hour": 3, "minute": 10}
